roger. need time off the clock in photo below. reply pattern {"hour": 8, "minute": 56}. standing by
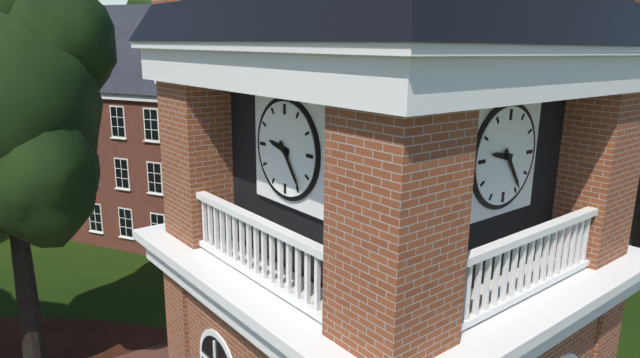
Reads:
{"hour": 9, "minute": 24}
